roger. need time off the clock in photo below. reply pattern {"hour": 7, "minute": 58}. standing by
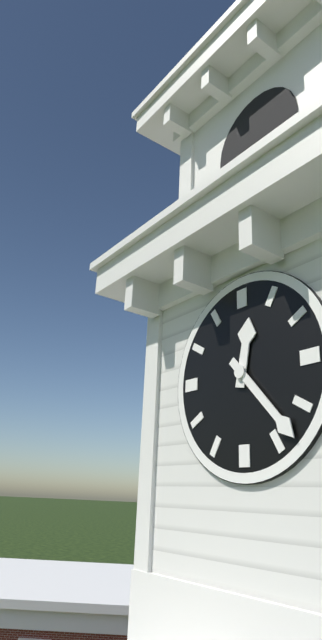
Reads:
{"hour": 12, "minute": 23}
